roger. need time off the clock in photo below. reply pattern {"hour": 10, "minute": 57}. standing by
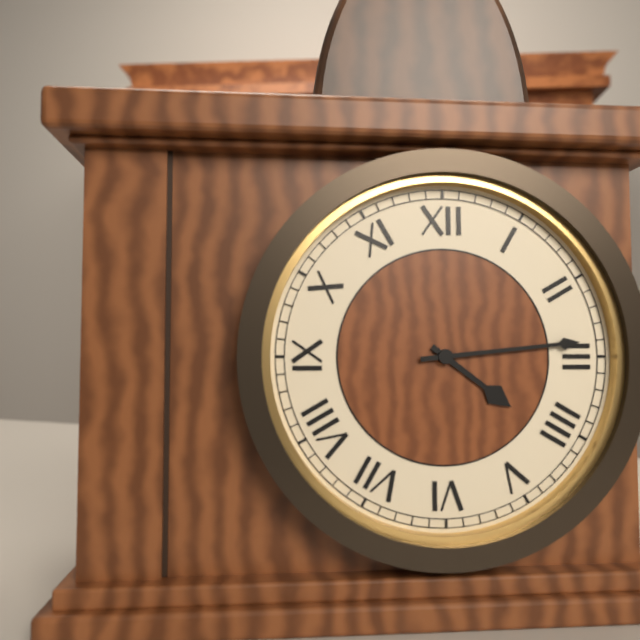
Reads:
{"hour": 4, "minute": 14}
